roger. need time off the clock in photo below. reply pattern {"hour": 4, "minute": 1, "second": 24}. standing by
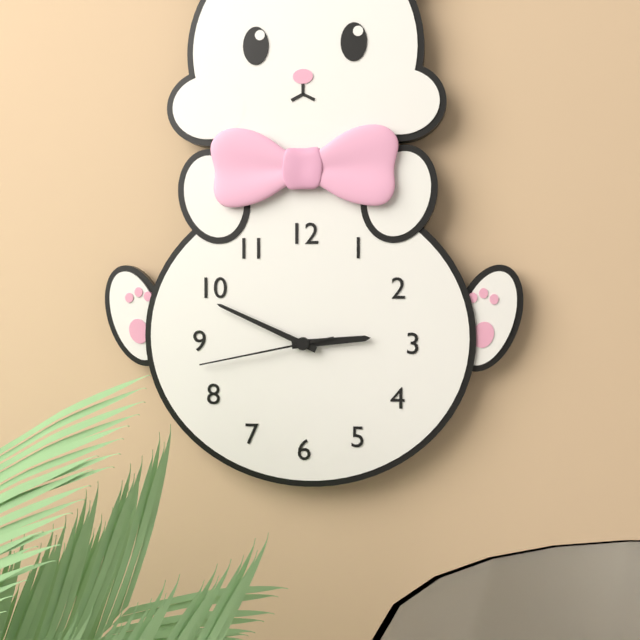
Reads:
{"hour": 2, "minute": 49, "second": 43}
